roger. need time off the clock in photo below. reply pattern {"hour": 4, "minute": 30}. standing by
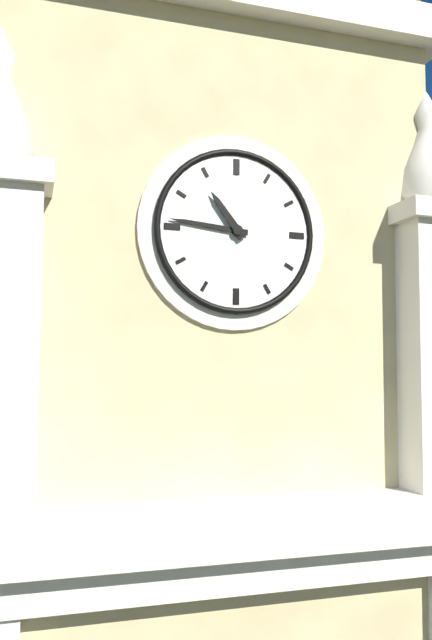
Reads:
{"hour": 10, "minute": 46}
